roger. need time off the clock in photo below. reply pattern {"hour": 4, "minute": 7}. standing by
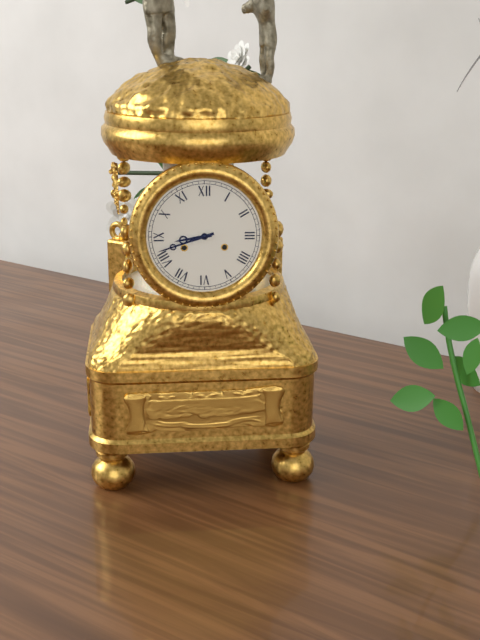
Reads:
{"hour": 8, "minute": 42}
